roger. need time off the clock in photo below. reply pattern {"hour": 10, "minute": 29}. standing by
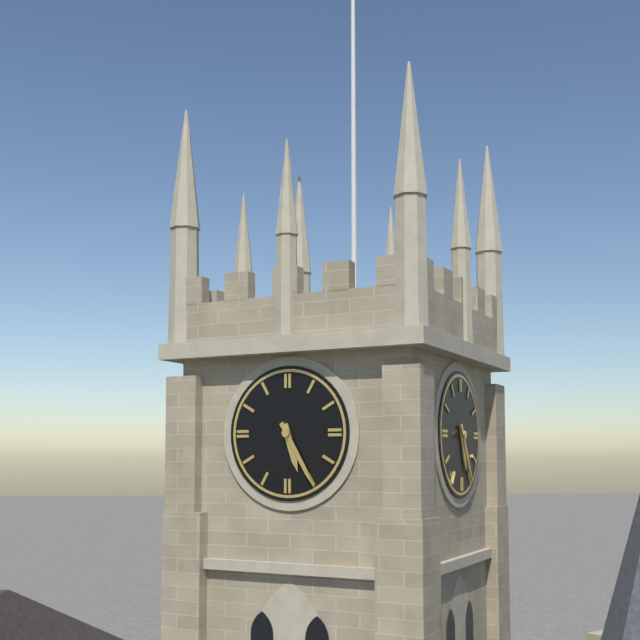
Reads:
{"hour": 5, "minute": 25}
